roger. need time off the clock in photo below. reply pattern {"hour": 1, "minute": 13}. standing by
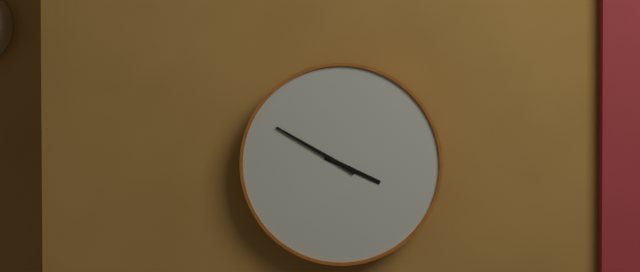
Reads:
{"hour": 3, "minute": 50}
